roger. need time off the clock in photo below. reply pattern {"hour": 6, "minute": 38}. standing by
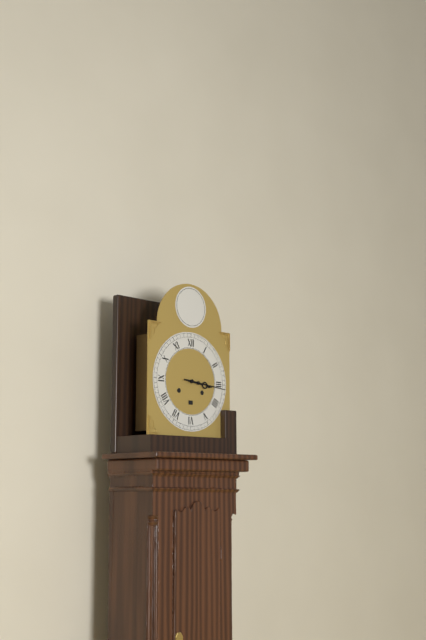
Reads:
{"hour": 3, "minute": 16}
